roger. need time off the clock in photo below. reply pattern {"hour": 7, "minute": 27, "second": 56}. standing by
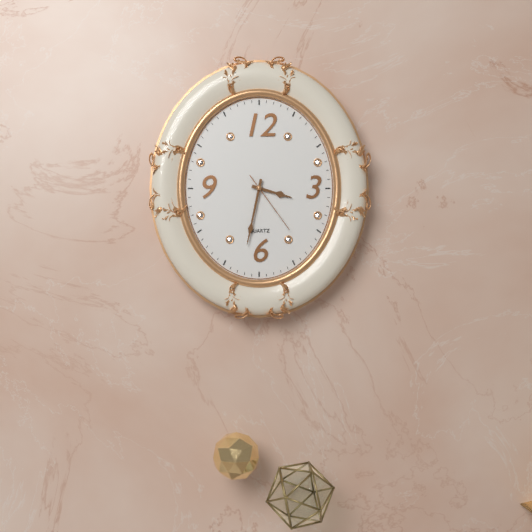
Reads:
{"hour": 3, "minute": 32, "second": 24}
